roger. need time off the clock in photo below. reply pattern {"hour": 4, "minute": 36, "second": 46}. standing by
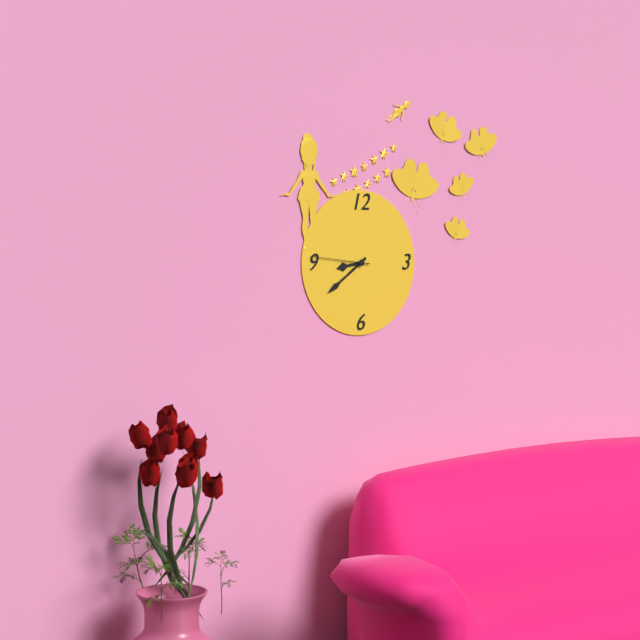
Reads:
{"hour": 8, "minute": 39, "second": 46}
